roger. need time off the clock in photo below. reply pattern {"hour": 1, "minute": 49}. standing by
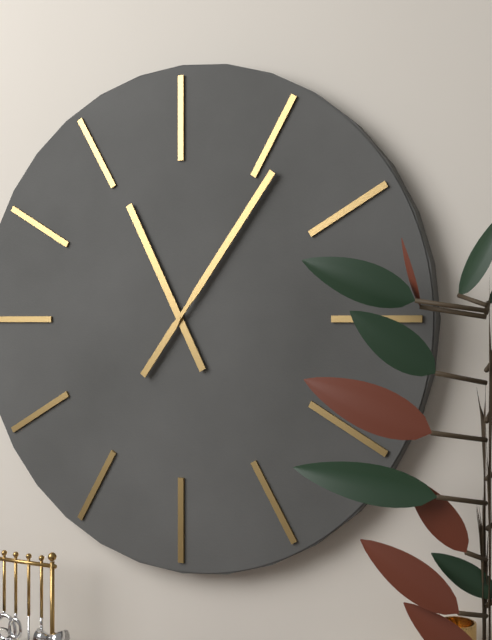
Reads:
{"hour": 11, "minute": 6}
